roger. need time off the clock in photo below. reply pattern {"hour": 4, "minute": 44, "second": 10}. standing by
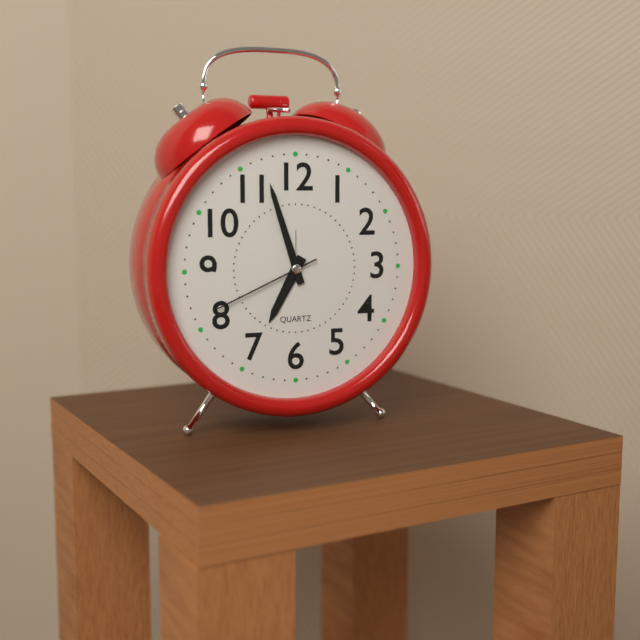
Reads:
{"hour": 6, "minute": 57, "second": 41}
